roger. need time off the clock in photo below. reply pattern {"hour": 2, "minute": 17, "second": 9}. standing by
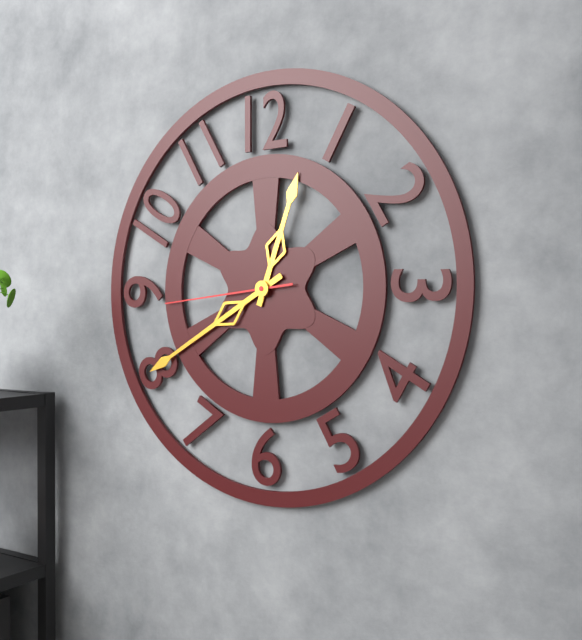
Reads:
{"hour": 12, "minute": 40, "second": 44}
